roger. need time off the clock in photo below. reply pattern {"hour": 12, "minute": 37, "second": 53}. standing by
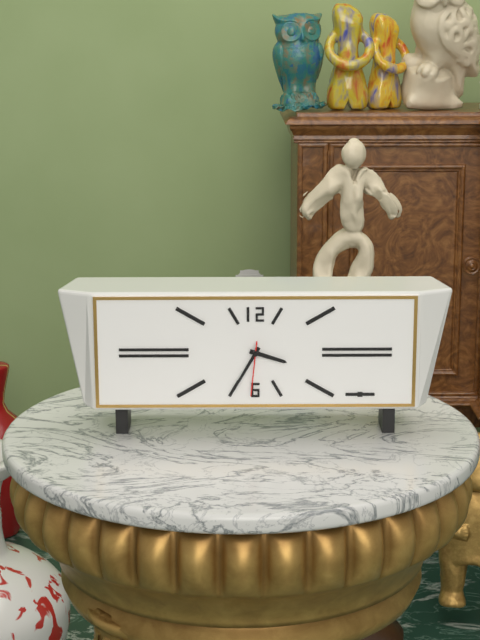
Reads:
{"hour": 3, "minute": 35, "second": 31}
